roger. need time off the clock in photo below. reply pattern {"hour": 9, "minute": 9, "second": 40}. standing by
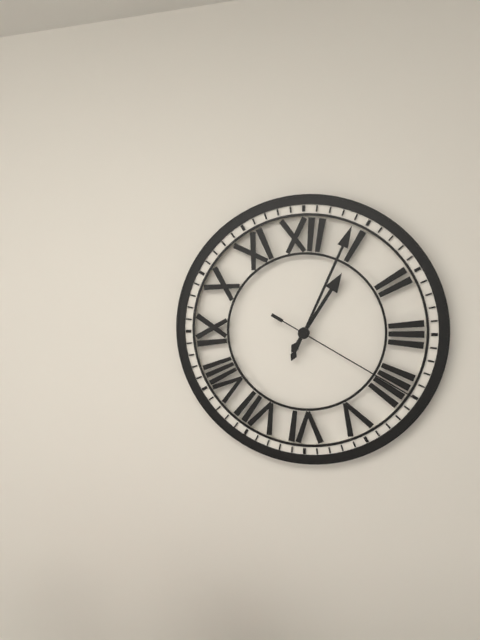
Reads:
{"hour": 1, "minute": 4, "second": 20}
